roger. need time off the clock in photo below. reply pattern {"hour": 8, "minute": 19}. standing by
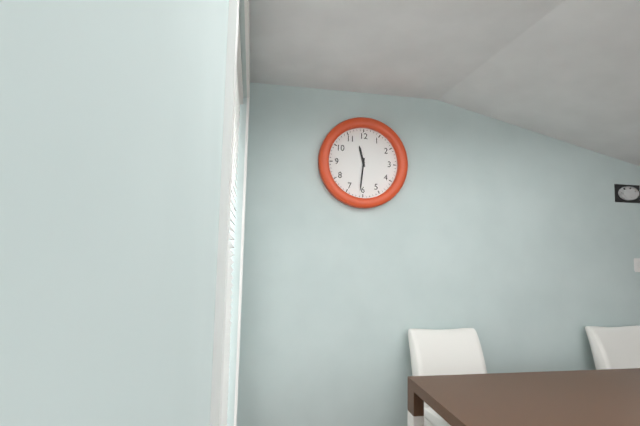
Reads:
{"hour": 11, "minute": 31}
